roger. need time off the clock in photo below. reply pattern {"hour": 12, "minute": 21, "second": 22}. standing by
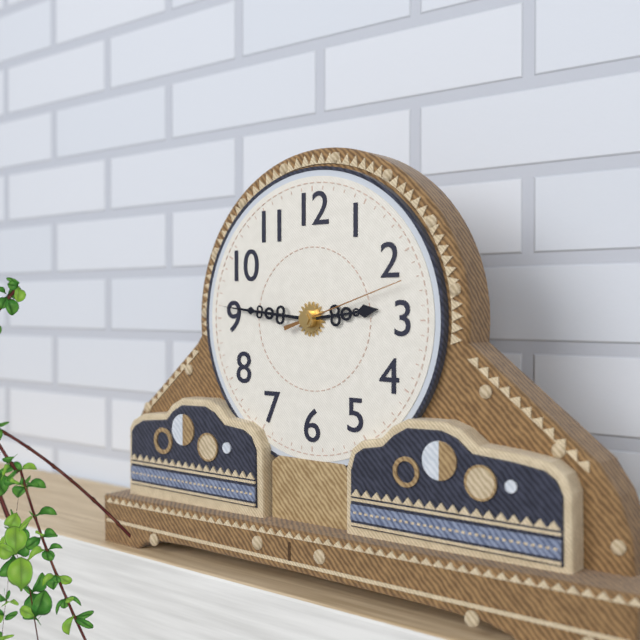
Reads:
{"hour": 2, "minute": 46, "second": 12}
